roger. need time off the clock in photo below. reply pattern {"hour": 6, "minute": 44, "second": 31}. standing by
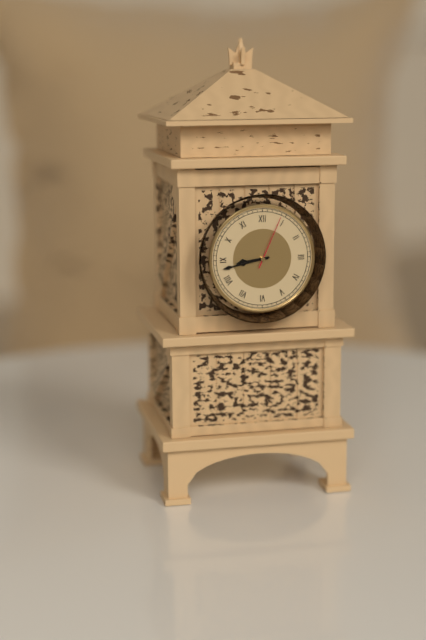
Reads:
{"hour": 8, "minute": 43, "second": 4}
